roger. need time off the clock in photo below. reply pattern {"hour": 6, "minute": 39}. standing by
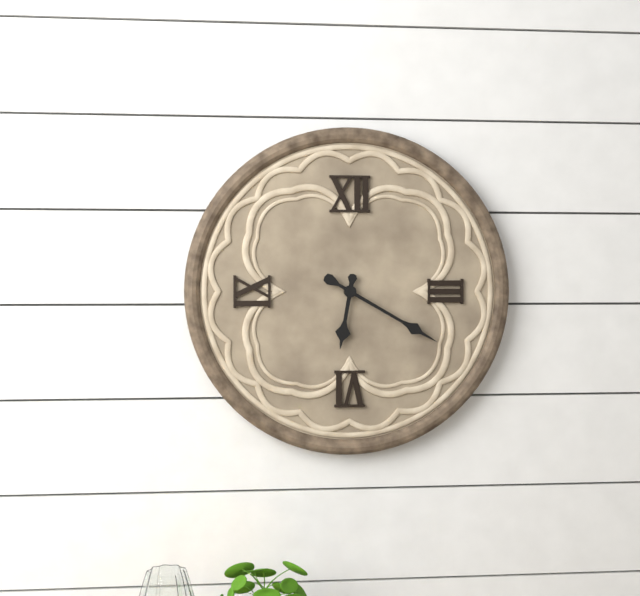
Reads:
{"hour": 6, "minute": 20}
